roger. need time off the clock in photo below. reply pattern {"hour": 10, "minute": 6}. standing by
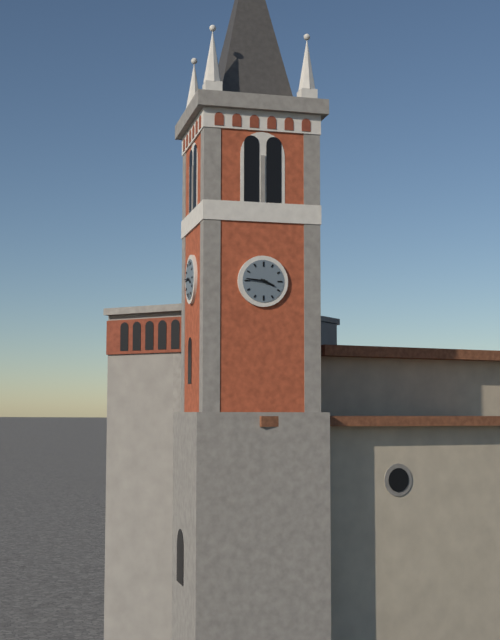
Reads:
{"hour": 3, "minute": 46}
